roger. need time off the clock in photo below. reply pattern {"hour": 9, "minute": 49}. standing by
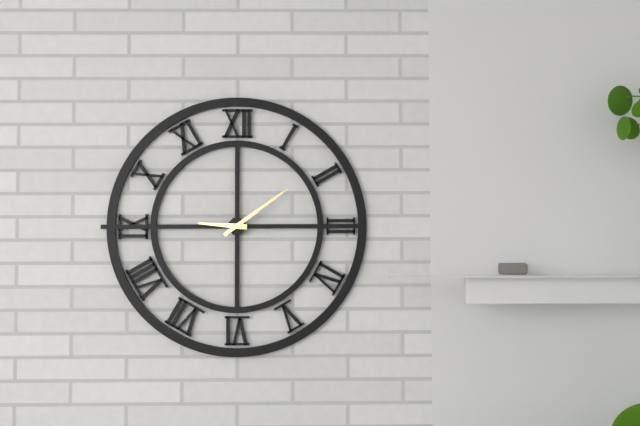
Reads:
{"hour": 9, "minute": 9}
